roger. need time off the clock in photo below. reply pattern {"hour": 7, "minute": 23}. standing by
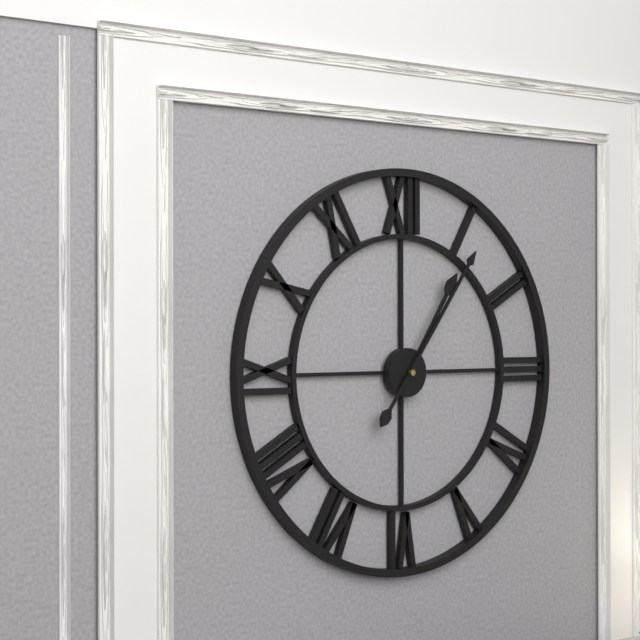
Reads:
{"hour": 1, "minute": 6}
